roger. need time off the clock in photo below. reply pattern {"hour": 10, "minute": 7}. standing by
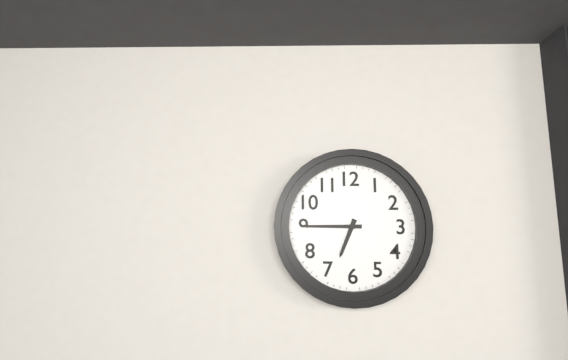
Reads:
{"hour": 6, "minute": 45}
